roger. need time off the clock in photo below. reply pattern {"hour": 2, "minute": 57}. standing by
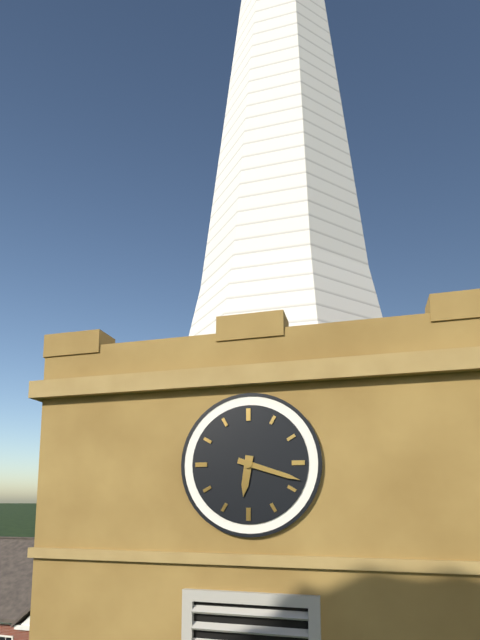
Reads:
{"hour": 6, "minute": 18}
